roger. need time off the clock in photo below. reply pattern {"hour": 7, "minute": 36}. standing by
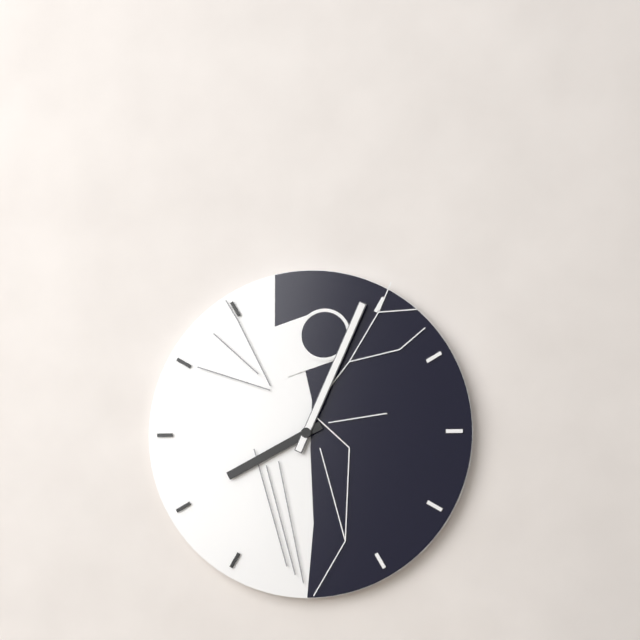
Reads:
{"hour": 8, "minute": 4}
